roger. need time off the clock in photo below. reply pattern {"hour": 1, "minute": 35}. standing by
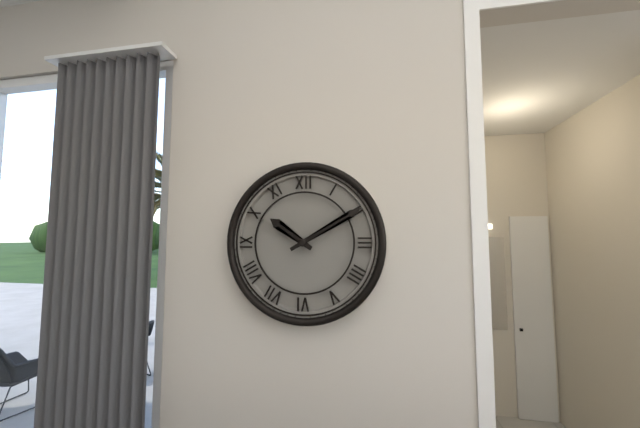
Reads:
{"hour": 10, "minute": 10}
